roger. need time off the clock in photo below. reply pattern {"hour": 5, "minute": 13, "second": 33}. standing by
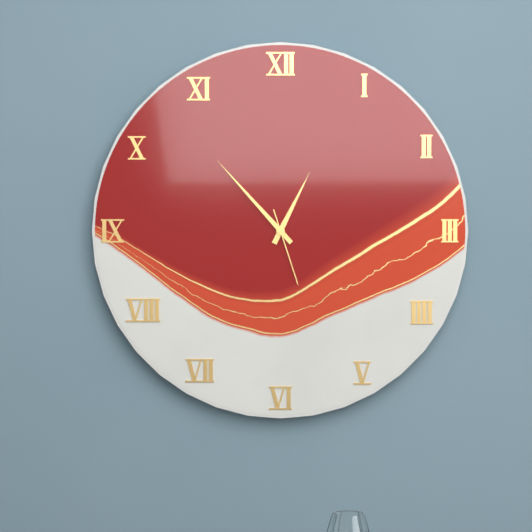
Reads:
{"hour": 12, "minute": 53, "second": 27}
